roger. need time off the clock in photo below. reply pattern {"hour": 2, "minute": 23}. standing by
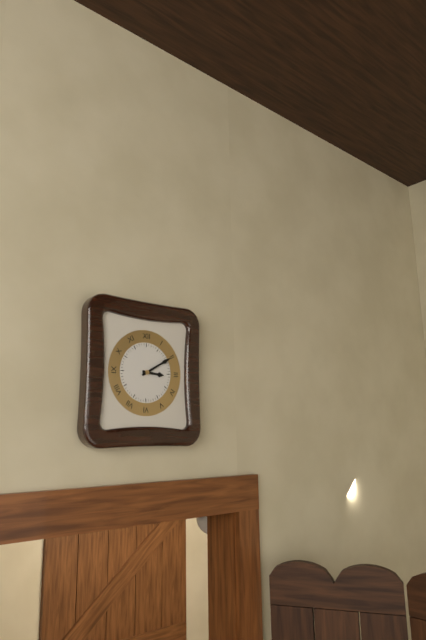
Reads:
{"hour": 3, "minute": 10}
